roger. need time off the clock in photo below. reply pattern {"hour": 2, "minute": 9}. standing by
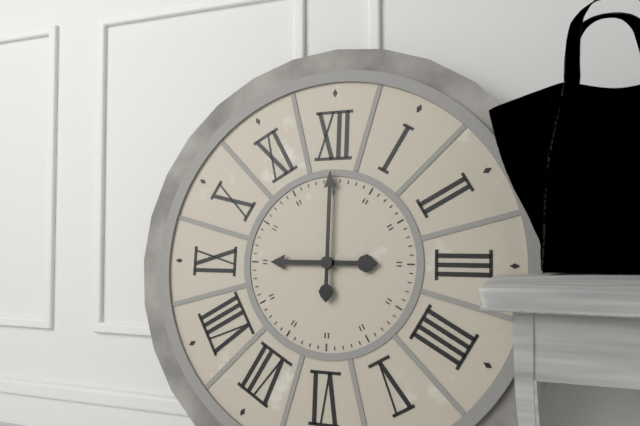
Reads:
{"hour": 9, "minute": 0}
